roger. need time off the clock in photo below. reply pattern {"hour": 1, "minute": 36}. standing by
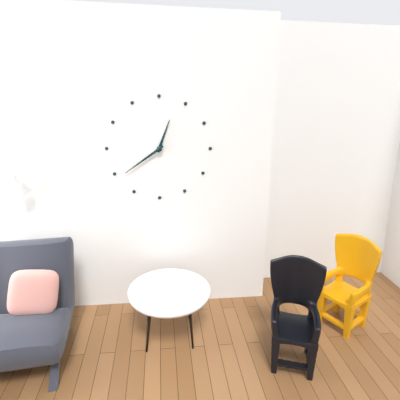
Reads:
{"hour": 12, "minute": 39}
